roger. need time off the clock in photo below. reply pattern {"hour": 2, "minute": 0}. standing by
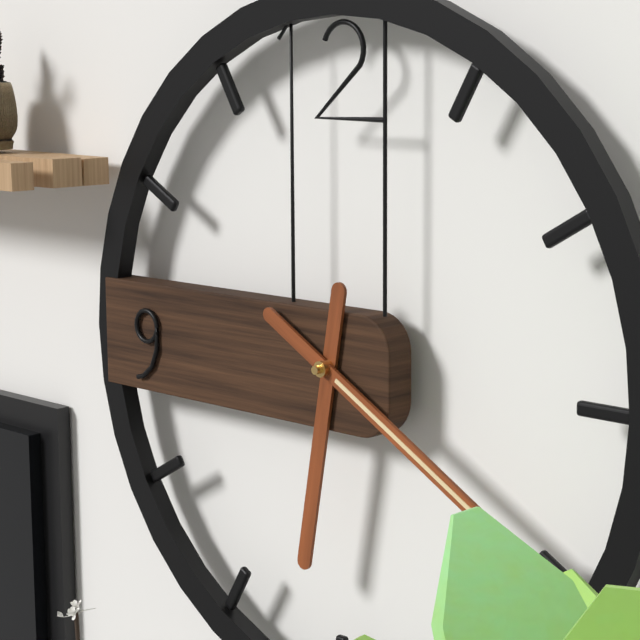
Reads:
{"hour": 6, "minute": 20}
